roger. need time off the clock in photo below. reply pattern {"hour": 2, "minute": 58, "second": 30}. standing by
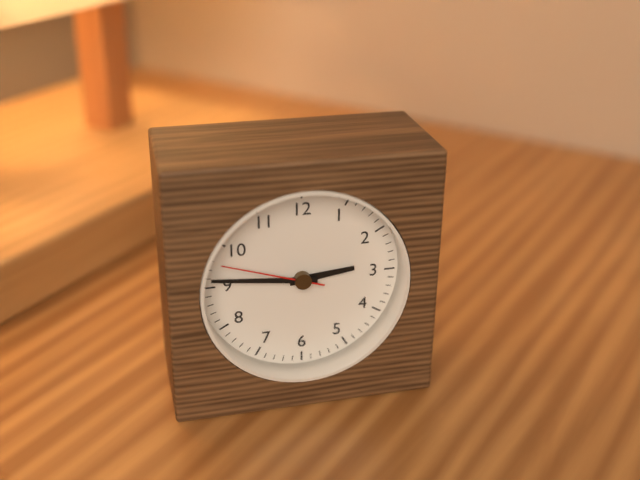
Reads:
{"hour": 2, "minute": 46, "second": 48}
